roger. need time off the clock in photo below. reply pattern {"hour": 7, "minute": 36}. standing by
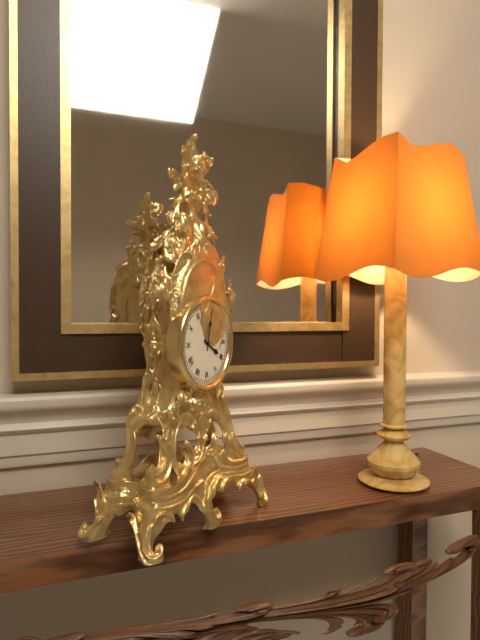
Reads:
{"hour": 4, "minute": 2}
